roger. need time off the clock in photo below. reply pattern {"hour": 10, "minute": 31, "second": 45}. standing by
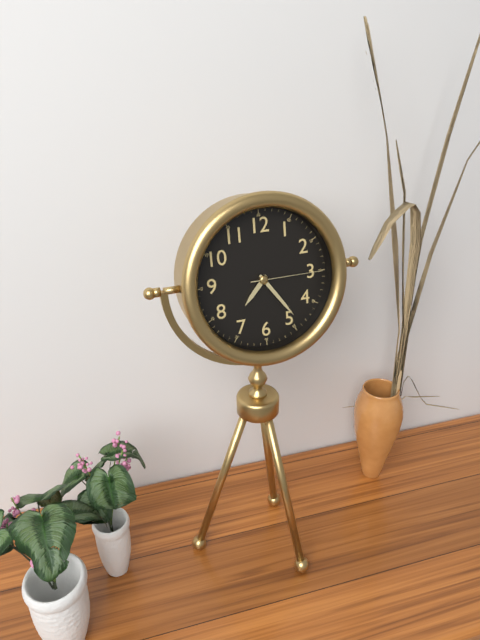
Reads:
{"hour": 7, "minute": 24, "second": 15}
